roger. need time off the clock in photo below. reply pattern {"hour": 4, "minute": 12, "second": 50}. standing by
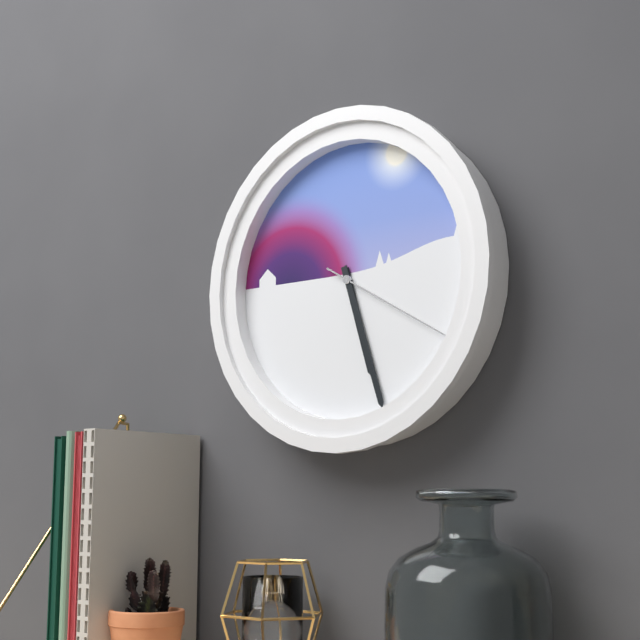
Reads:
{"hour": 5, "minute": 27, "second": 20}
